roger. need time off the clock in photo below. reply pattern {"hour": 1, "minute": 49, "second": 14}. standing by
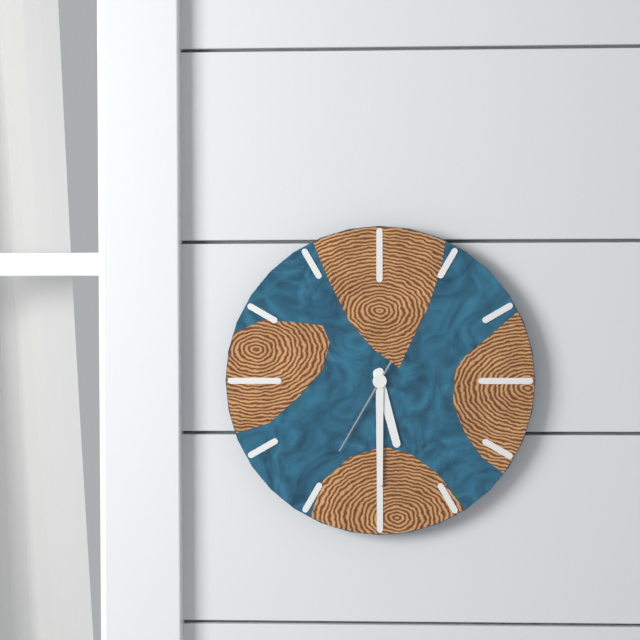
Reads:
{"hour": 5, "minute": 30, "second": 35}
